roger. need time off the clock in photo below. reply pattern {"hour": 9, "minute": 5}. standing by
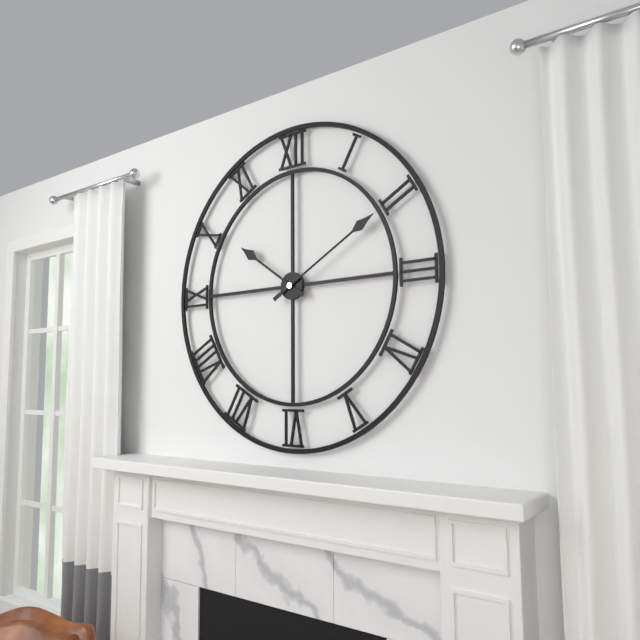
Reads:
{"hour": 10, "minute": 10}
